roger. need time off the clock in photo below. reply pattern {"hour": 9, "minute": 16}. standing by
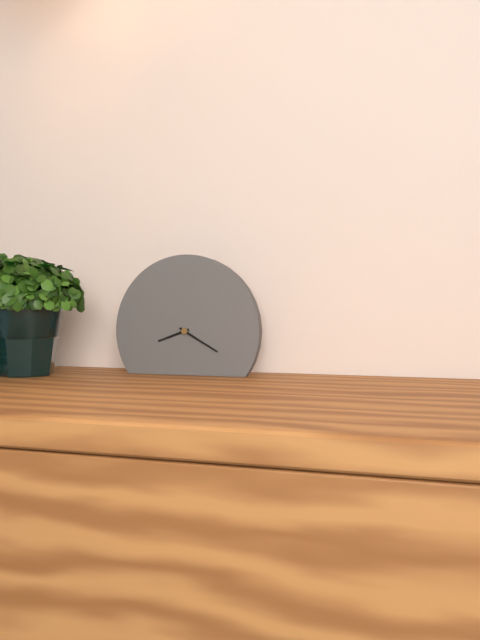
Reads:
{"hour": 8, "minute": 20}
